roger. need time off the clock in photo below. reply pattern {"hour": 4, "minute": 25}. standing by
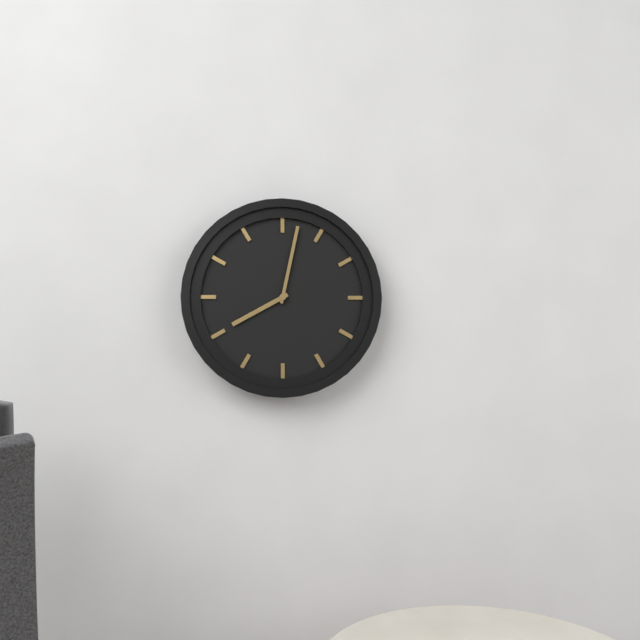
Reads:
{"hour": 8, "minute": 2}
